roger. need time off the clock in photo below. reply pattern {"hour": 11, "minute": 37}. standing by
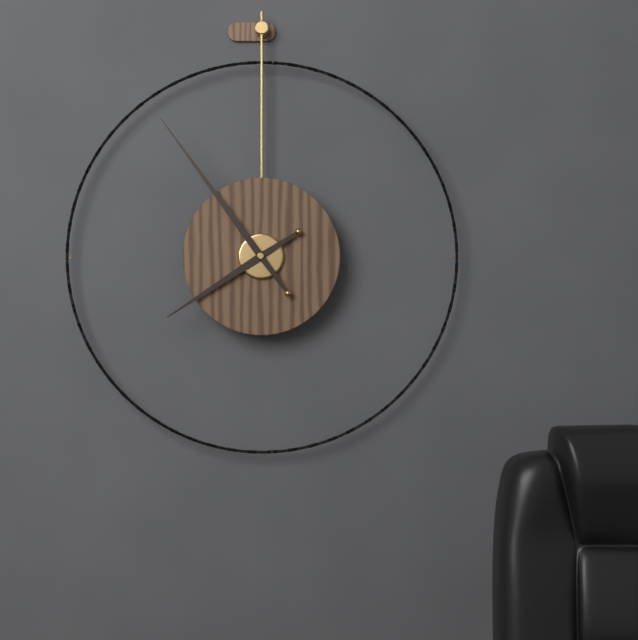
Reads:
{"hour": 7, "minute": 54}
